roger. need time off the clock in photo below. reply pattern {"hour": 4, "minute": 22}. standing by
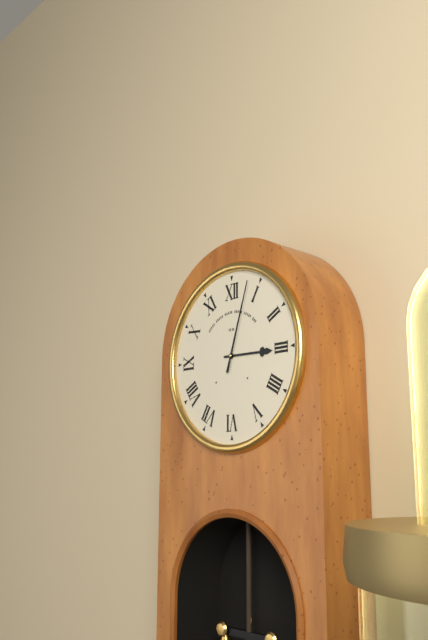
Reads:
{"hour": 3, "minute": 3}
